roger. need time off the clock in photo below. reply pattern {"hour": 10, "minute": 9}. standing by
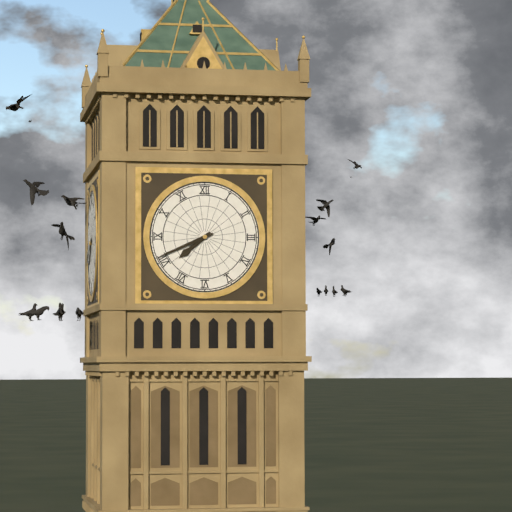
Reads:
{"hour": 7, "minute": 41}
